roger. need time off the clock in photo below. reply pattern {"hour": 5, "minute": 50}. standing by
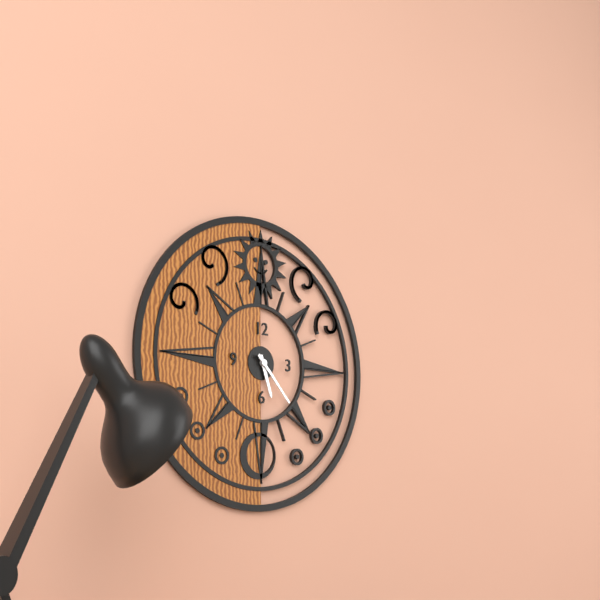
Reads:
{"hour": 5, "minute": 23}
